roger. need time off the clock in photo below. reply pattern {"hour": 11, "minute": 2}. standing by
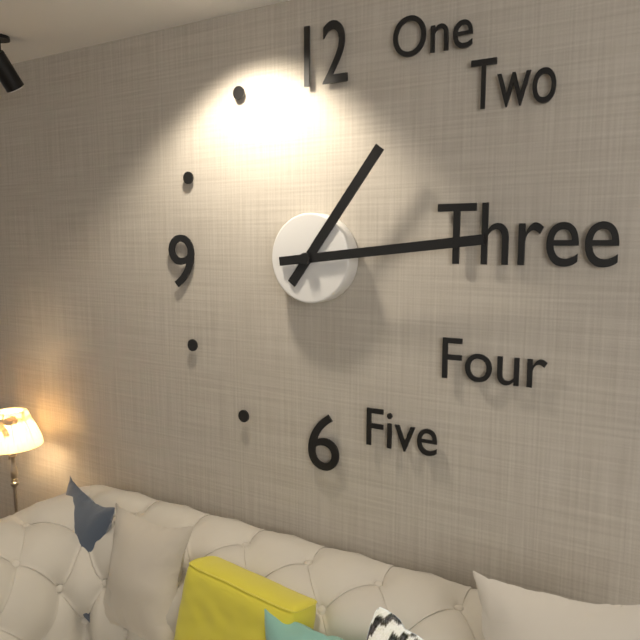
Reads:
{"hour": 1, "minute": 14}
